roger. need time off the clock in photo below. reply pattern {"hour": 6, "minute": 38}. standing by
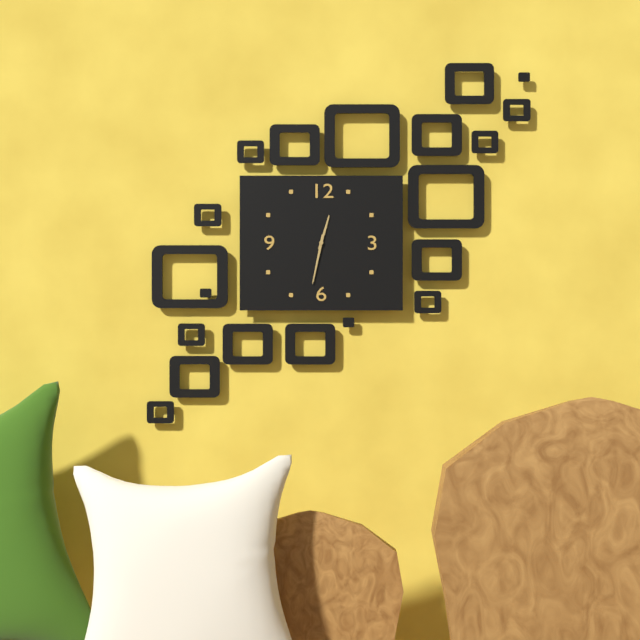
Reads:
{"hour": 12, "minute": 32}
